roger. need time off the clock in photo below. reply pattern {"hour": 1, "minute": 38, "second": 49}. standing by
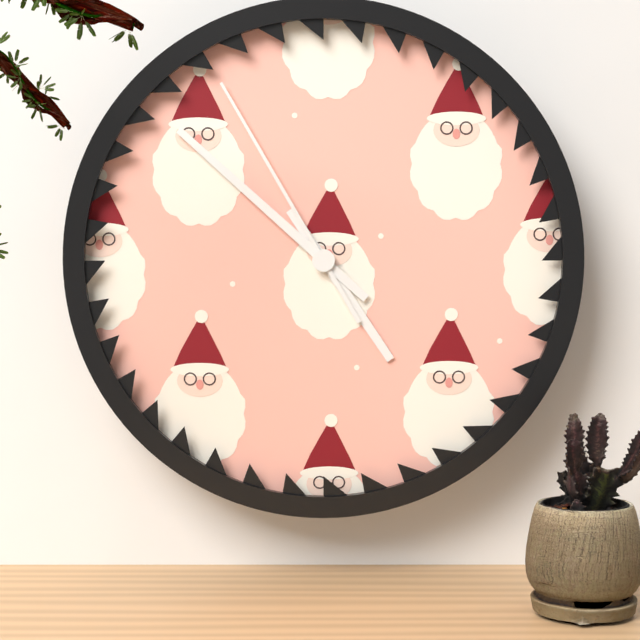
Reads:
{"hour": 4, "minute": 52, "second": 55}
